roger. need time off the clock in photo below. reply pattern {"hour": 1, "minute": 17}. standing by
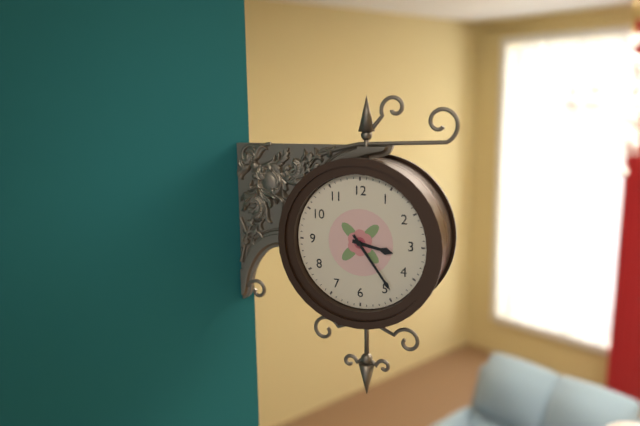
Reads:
{"hour": 3, "minute": 24}
